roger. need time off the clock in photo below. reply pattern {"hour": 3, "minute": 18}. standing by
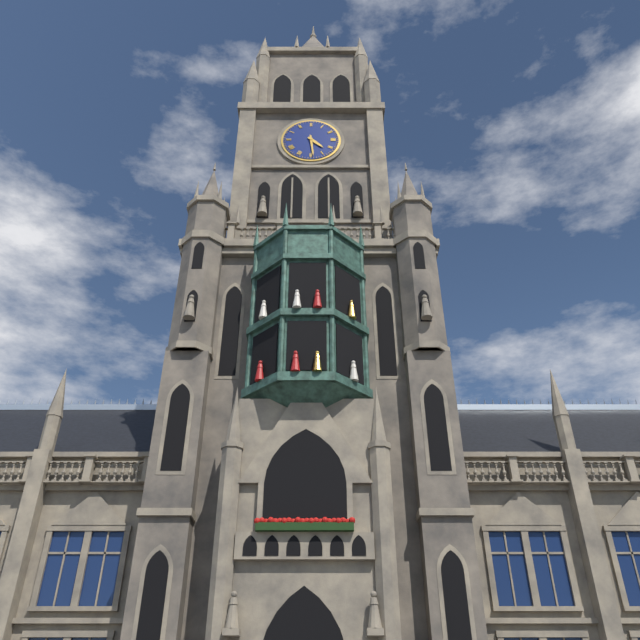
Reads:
{"hour": 4, "minute": 29}
